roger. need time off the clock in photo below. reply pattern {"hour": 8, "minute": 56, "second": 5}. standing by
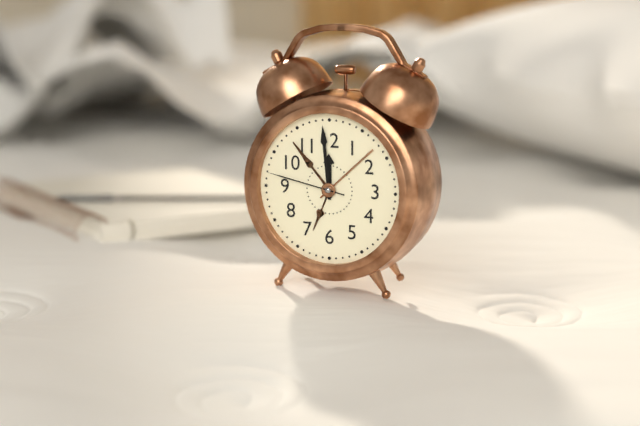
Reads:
{"hour": 11, "minute": 59, "second": 47}
